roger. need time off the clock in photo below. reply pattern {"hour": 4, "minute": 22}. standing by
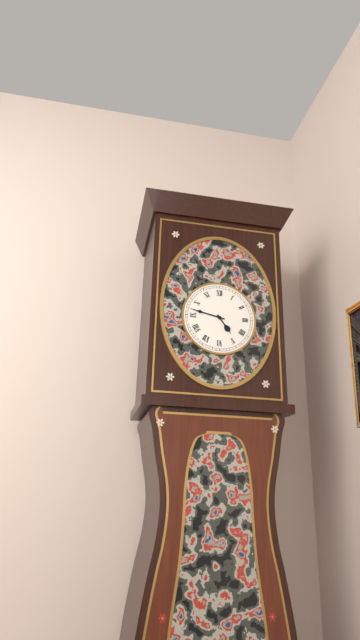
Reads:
{"hour": 4, "minute": 47}
